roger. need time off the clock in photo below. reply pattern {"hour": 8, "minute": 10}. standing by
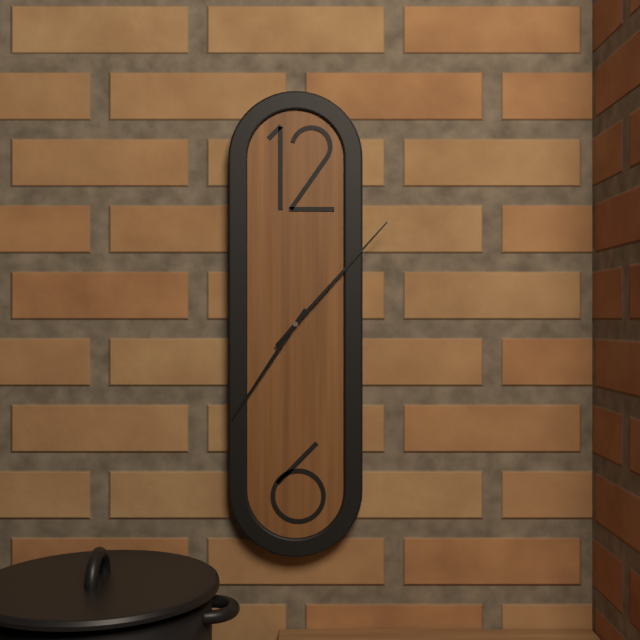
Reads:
{"hour": 7, "minute": 7}
